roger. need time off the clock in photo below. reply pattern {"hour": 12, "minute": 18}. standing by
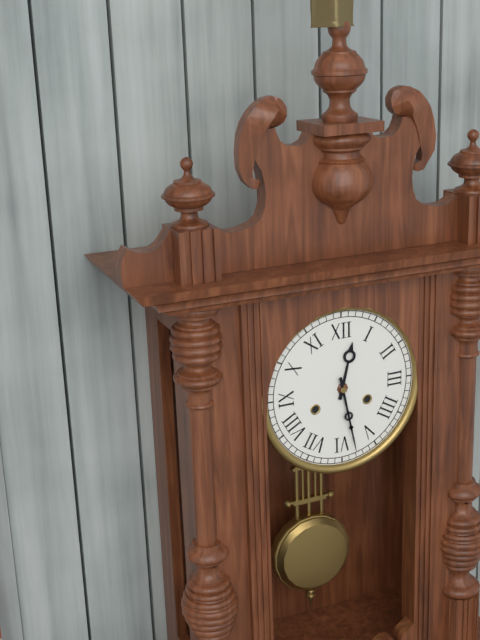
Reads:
{"hour": 12, "minute": 28}
